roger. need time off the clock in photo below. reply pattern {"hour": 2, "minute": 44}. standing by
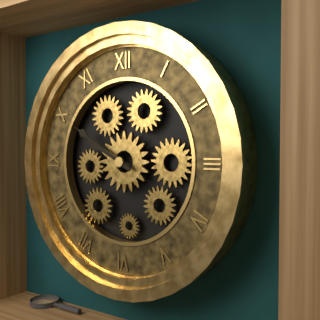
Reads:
{"hour": 9, "minute": 50}
